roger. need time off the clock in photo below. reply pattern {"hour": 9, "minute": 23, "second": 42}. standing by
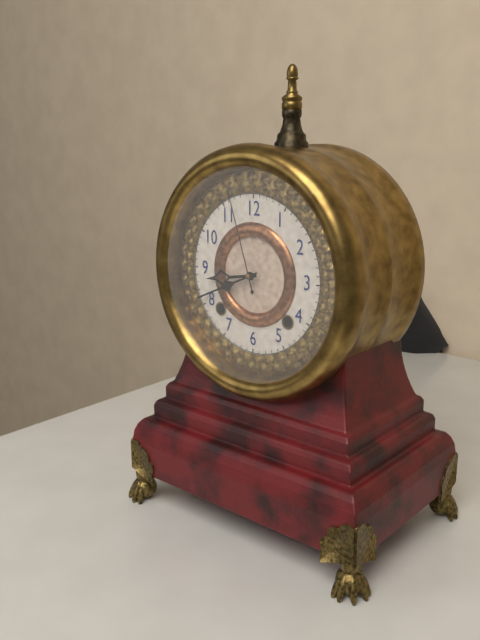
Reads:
{"hour": 8, "minute": 41, "second": 57}
